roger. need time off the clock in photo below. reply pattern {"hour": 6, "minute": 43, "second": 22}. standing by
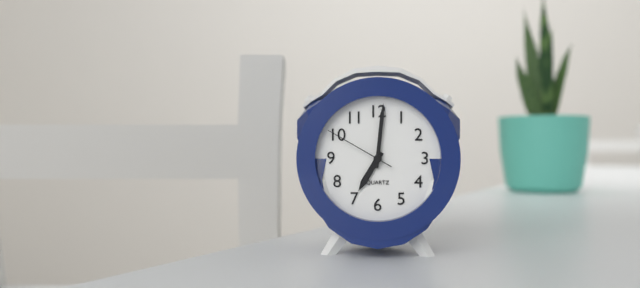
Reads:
{"hour": 7, "minute": 1, "second": 50}
